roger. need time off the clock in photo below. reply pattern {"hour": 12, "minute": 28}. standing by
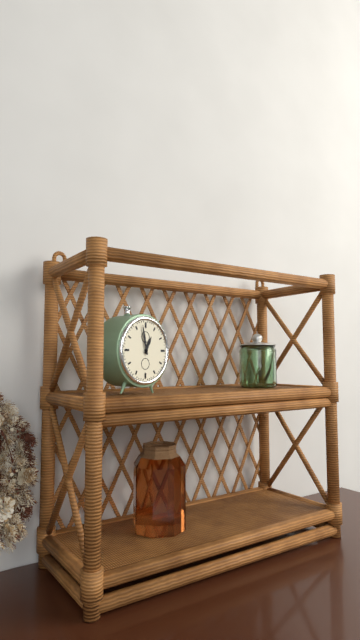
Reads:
{"hour": 12, "minute": 58}
